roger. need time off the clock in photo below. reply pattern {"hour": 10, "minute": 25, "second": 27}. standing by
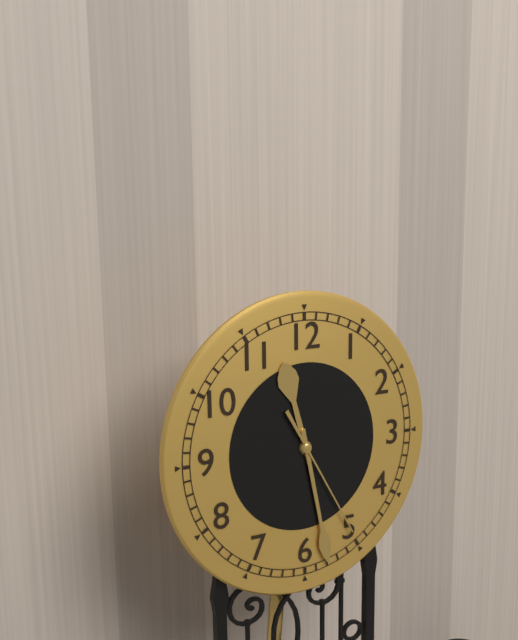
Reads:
{"hour": 11, "minute": 28, "second": 25}
